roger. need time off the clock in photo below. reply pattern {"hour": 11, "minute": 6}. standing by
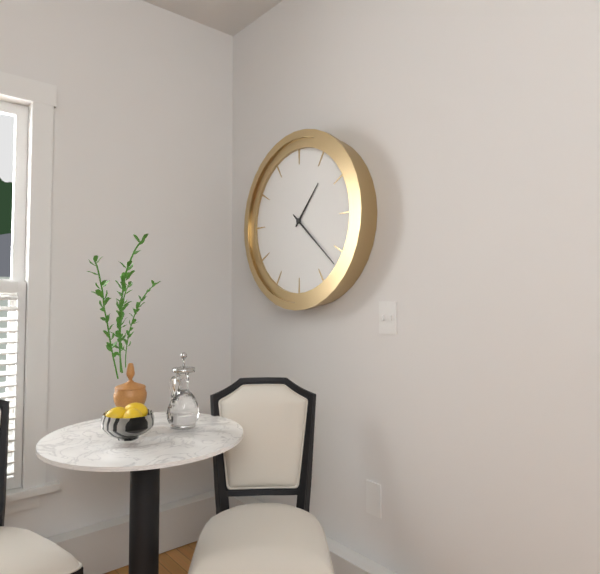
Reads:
{"hour": 1, "minute": 22}
